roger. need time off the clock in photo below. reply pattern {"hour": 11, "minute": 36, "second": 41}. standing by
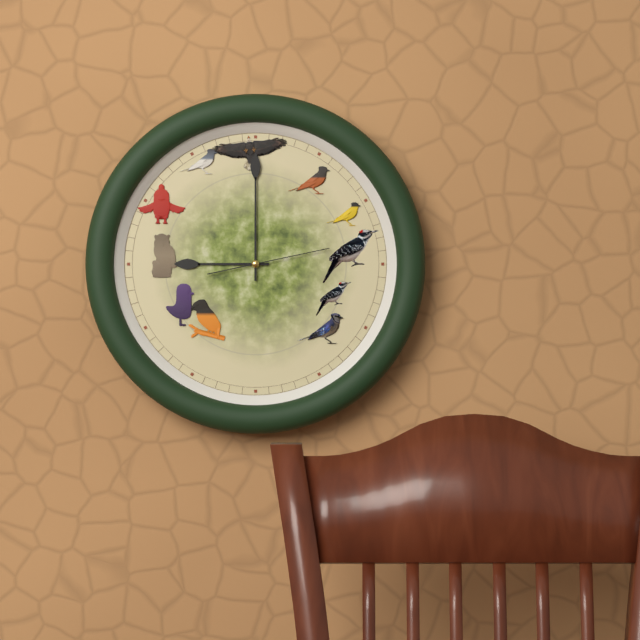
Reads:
{"hour": 9, "minute": 0, "second": 13}
